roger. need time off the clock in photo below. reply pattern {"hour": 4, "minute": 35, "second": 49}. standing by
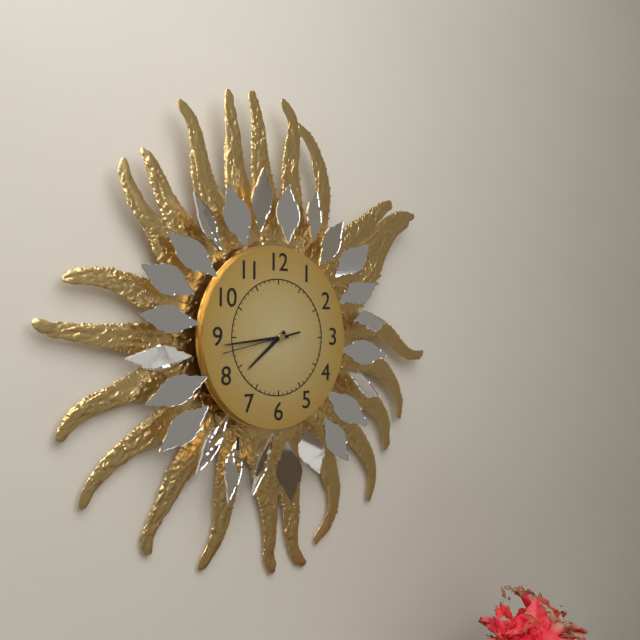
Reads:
{"hour": 7, "minute": 44, "second": 43}
